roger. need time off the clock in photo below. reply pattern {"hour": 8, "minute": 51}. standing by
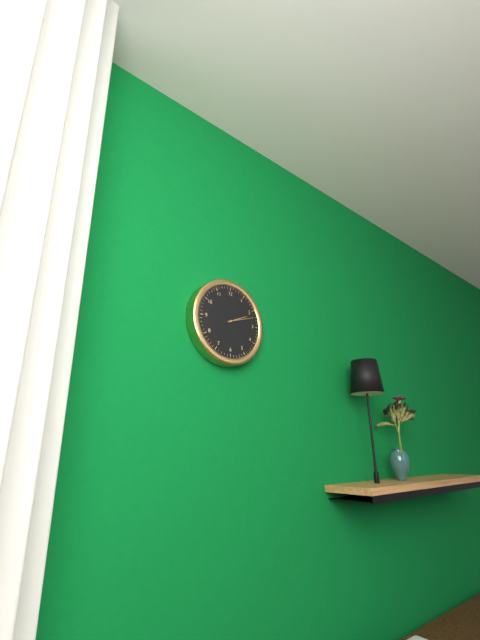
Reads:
{"hour": 2, "minute": 12}
